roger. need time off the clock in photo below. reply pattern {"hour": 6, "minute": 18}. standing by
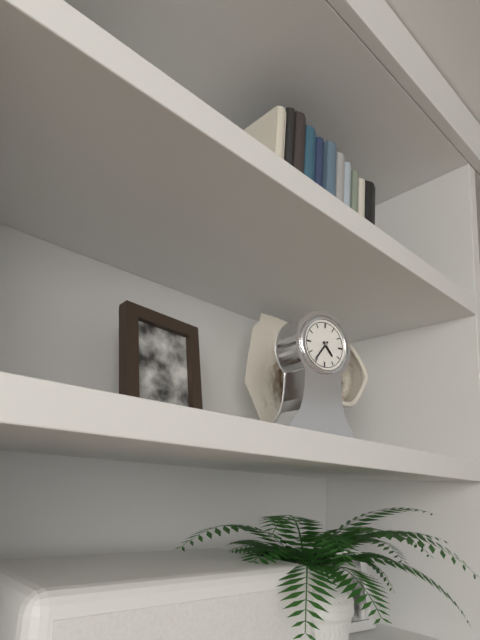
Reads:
{"hour": 4, "minute": 36}
